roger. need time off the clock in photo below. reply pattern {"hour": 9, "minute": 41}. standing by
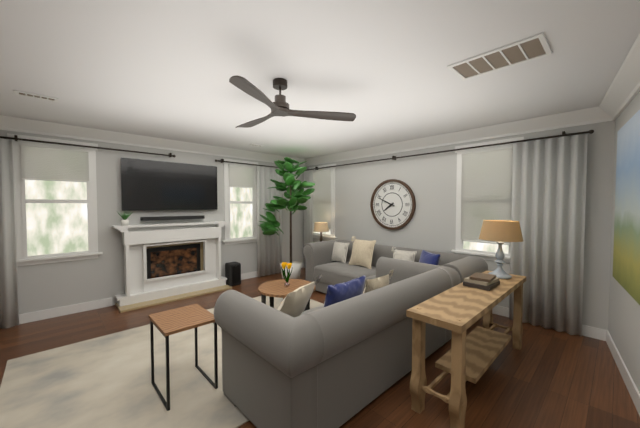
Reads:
{"hour": 7, "minute": 49}
